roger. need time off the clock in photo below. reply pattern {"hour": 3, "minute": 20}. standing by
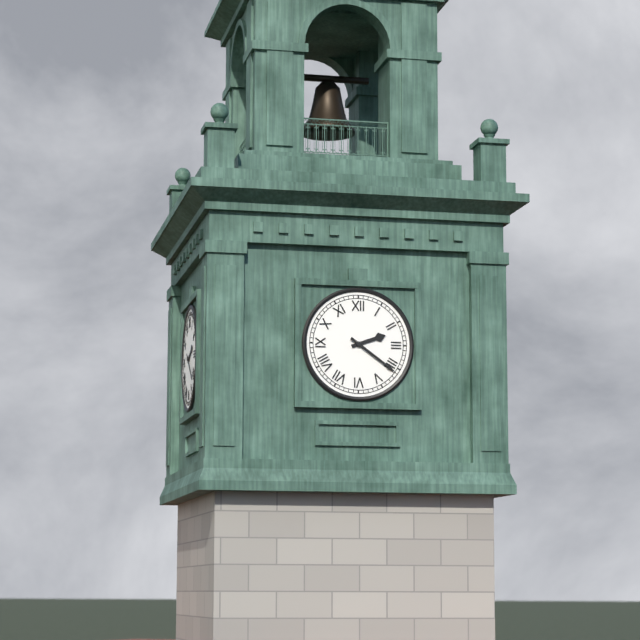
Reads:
{"hour": 2, "minute": 21}
